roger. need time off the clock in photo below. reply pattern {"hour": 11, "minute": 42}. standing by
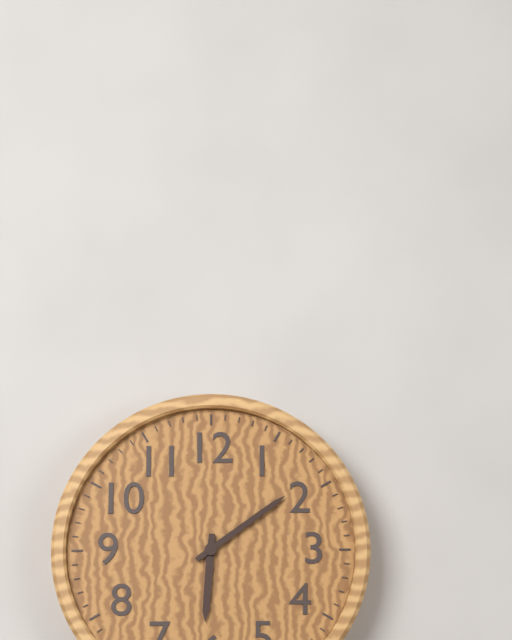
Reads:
{"hour": 6, "minute": 9}
